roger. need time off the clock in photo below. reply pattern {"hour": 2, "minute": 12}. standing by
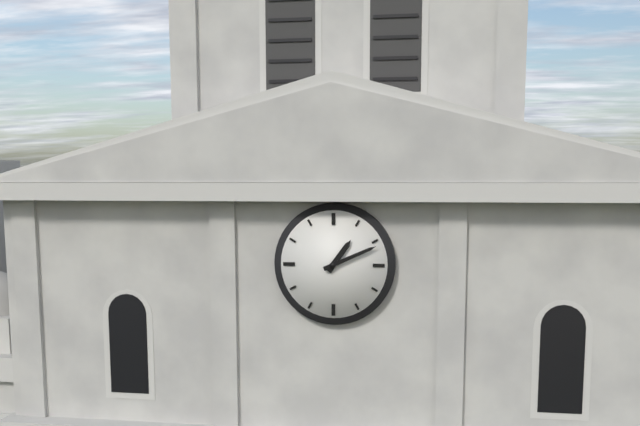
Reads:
{"hour": 1, "minute": 11}
